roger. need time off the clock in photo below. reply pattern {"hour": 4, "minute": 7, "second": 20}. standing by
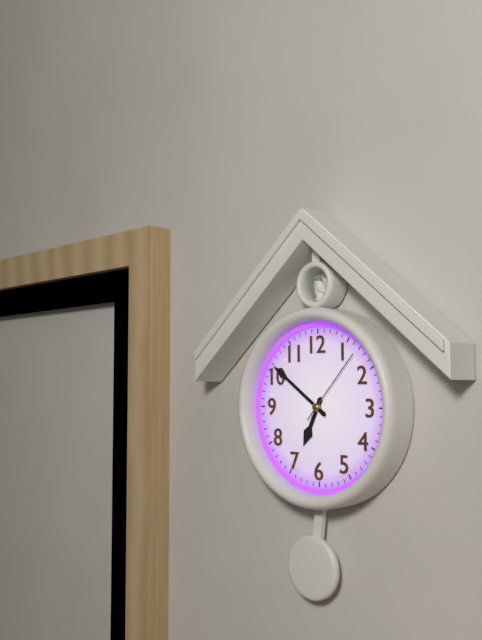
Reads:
{"hour": 6, "minute": 51, "second": 7}
